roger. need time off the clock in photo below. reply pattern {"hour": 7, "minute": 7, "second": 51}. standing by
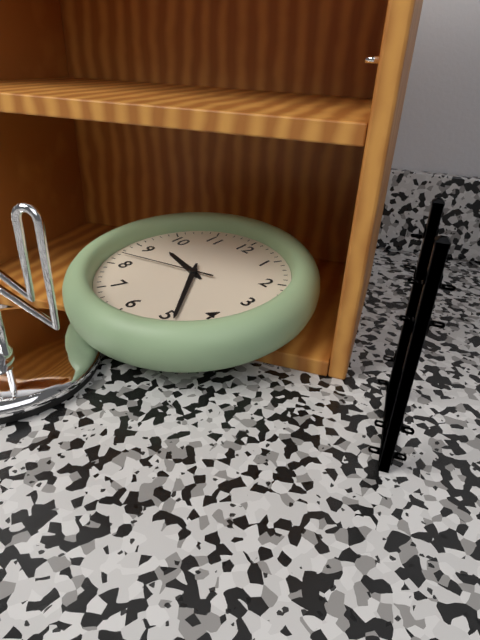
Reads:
{"hour": 9, "minute": 24, "second": 42}
